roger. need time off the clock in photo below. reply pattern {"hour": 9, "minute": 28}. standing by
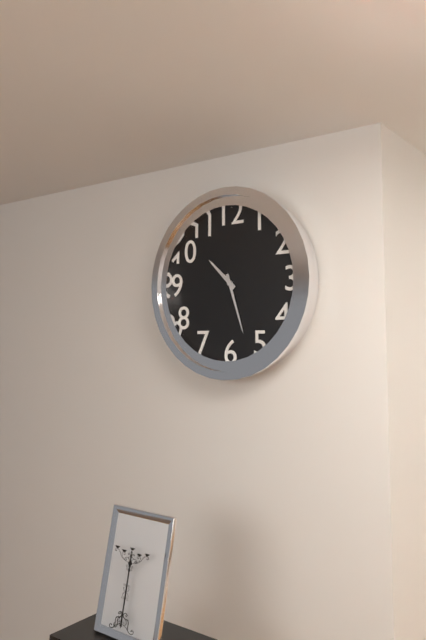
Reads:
{"hour": 10, "minute": 27}
